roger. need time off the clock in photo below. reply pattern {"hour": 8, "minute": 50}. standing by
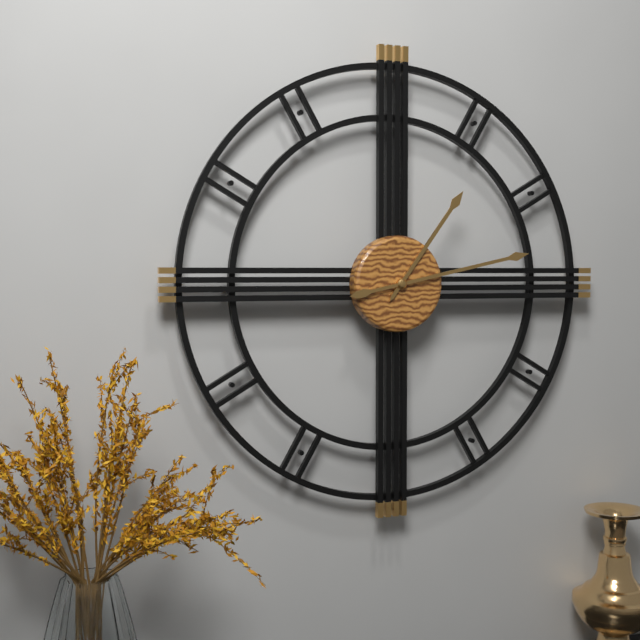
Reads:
{"hour": 1, "minute": 13}
